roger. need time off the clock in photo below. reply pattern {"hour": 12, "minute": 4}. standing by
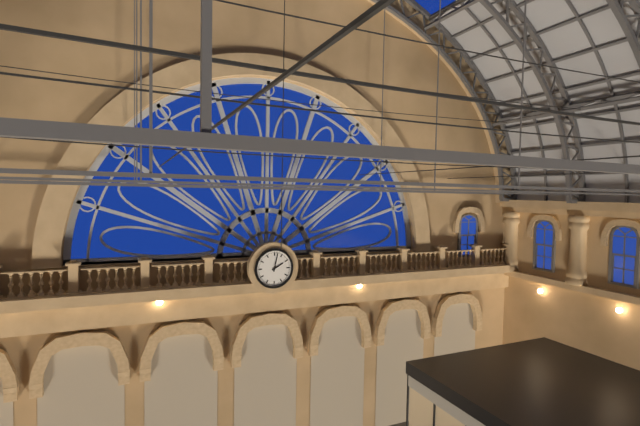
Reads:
{"hour": 2, "minute": 2}
